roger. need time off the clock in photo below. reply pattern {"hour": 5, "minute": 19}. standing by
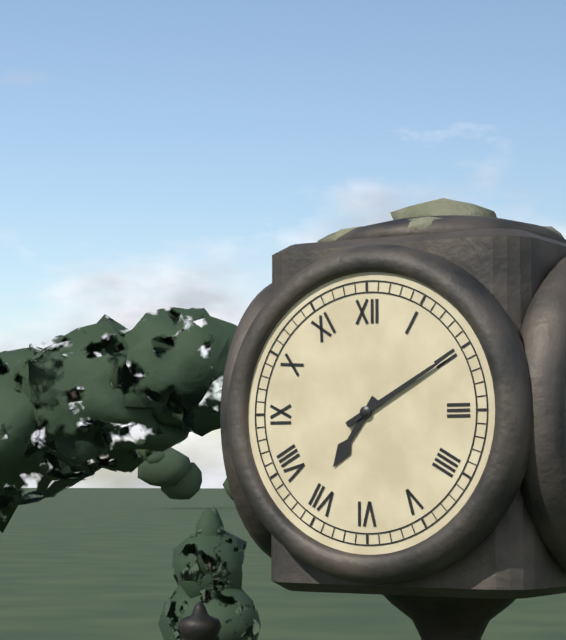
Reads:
{"hour": 7, "minute": 10}
